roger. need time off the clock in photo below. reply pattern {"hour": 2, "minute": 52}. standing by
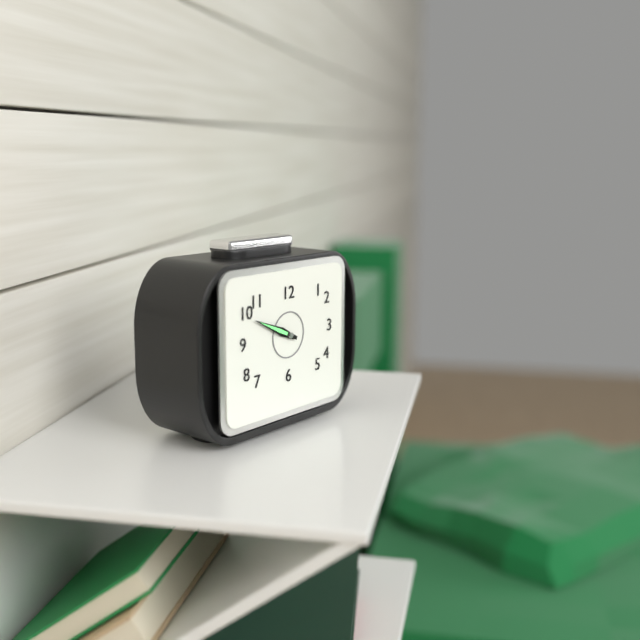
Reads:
{"hour": 9, "minute": 49}
